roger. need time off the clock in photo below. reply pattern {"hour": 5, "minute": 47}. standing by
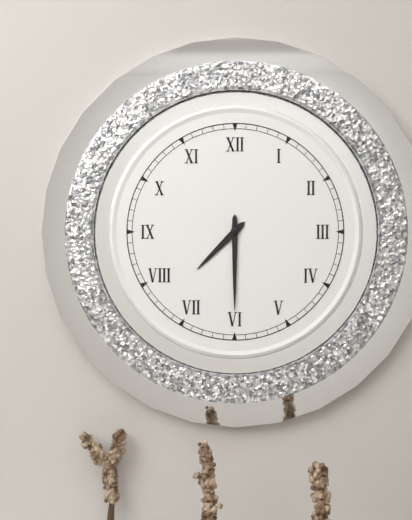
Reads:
{"hour": 7, "minute": 30}
